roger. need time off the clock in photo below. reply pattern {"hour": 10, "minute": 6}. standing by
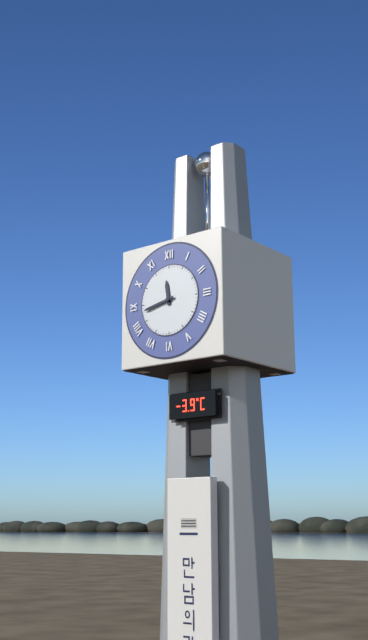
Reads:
{"hour": 11, "minute": 43}
